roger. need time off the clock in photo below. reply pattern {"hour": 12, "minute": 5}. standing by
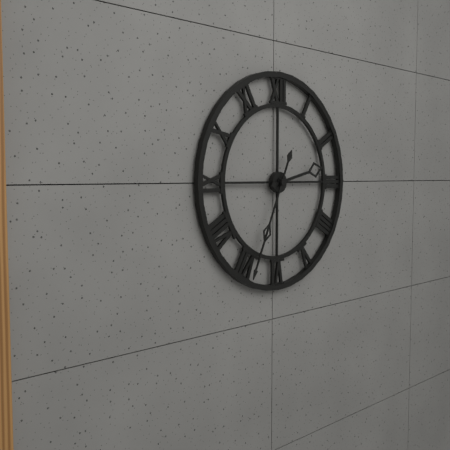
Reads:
{"hour": 2, "minute": 34}
